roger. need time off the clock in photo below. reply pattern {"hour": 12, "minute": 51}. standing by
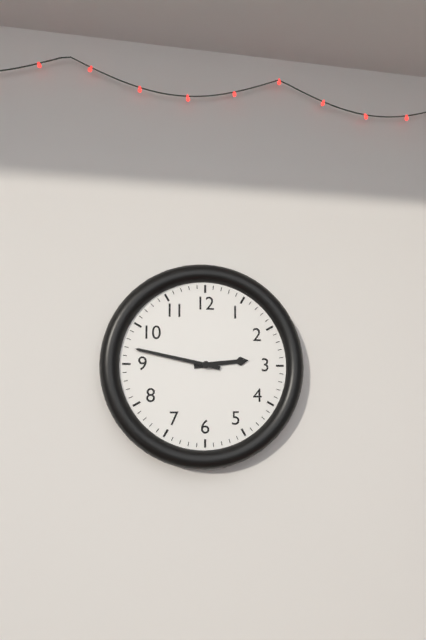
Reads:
{"hour": 2, "minute": 47}
